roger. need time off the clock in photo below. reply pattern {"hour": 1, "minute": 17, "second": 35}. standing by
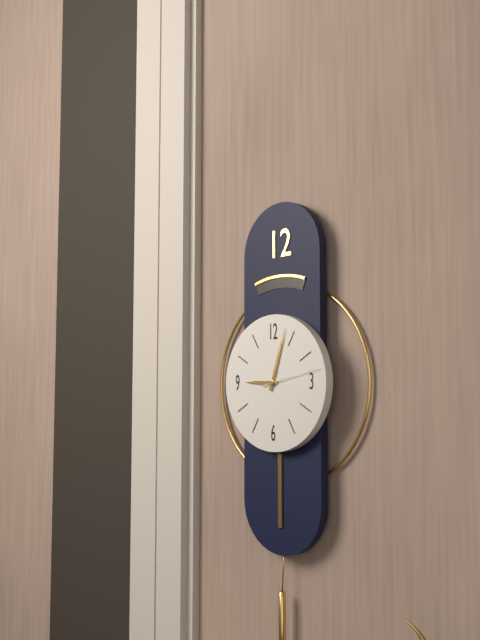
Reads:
{"hour": 9, "minute": 3, "second": 13}
